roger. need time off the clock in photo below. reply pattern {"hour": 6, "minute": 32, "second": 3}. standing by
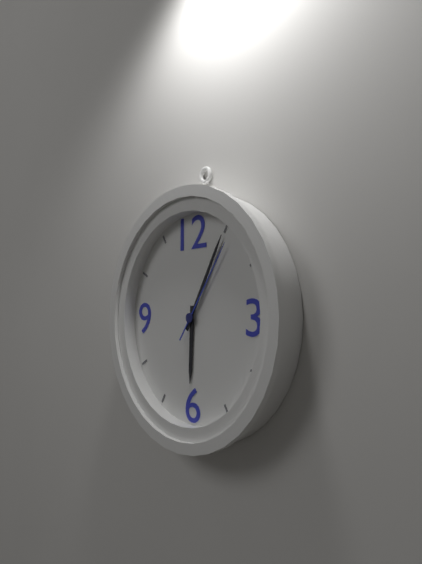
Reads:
{"hour": 6, "minute": 5, "second": 6}
